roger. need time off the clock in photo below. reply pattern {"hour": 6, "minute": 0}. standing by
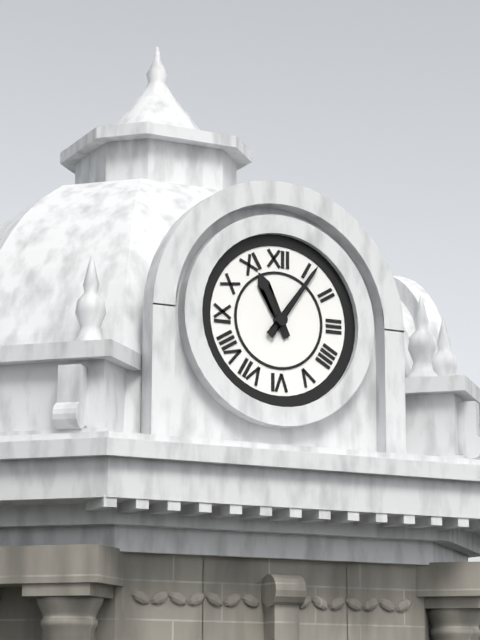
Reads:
{"hour": 11, "minute": 6}
